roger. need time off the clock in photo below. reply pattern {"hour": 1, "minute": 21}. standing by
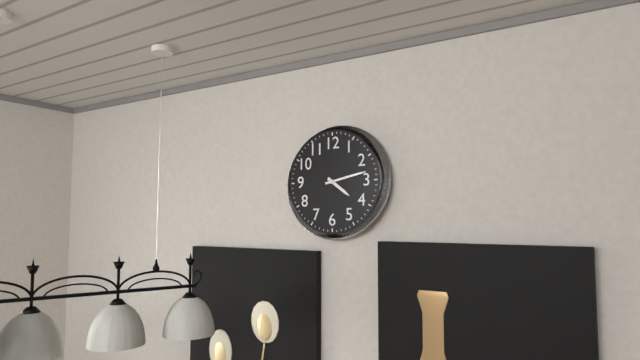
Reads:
{"hour": 4, "minute": 13}
